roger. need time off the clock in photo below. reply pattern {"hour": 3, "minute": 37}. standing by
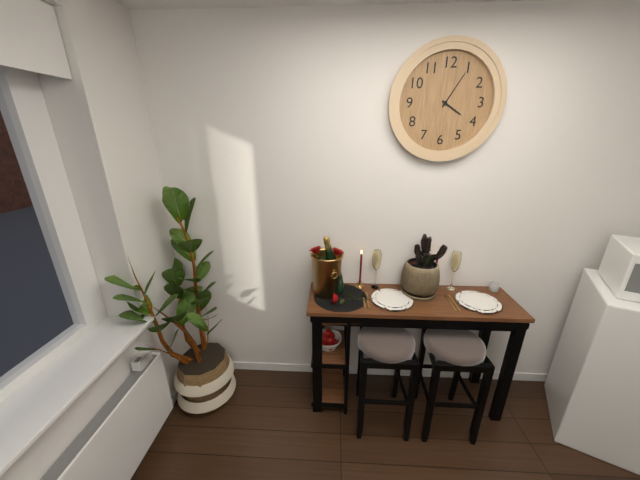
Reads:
{"hour": 4, "minute": 5}
